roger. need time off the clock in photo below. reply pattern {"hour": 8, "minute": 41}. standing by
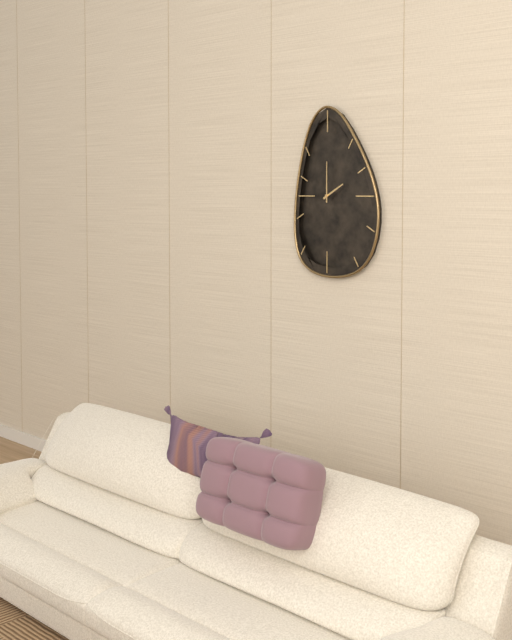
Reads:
{"hour": 2, "minute": 0}
